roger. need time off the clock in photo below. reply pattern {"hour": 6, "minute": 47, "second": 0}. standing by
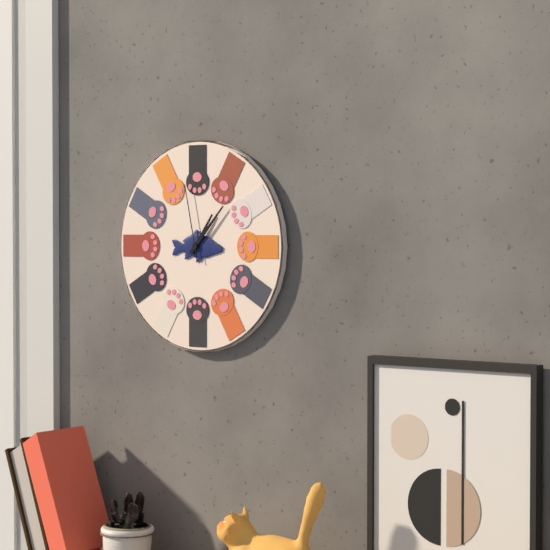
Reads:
{"hour": 1, "minute": 7, "second": 58}
